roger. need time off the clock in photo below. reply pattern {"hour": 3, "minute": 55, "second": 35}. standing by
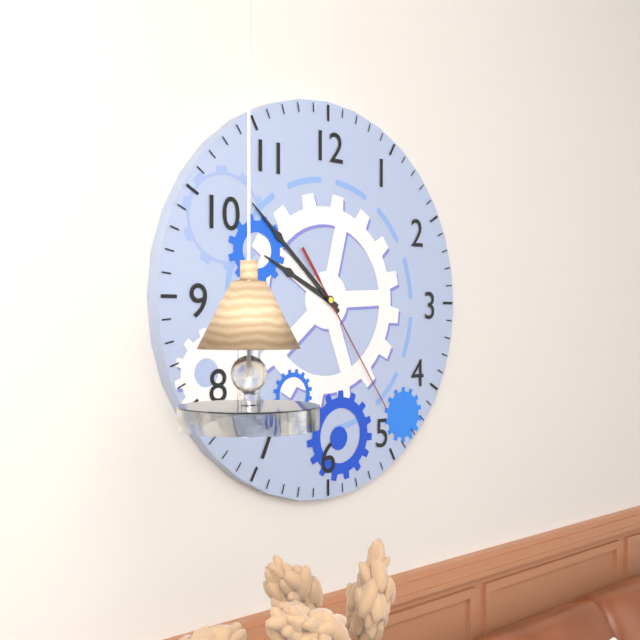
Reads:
{"hour": 9, "minute": 52, "second": 24}
